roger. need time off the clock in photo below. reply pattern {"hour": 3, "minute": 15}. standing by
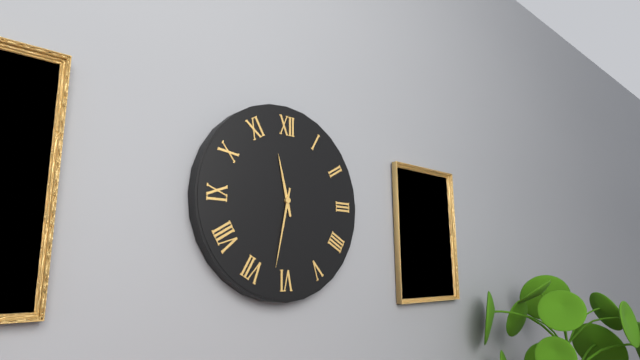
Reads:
{"hour": 11, "minute": 32}
